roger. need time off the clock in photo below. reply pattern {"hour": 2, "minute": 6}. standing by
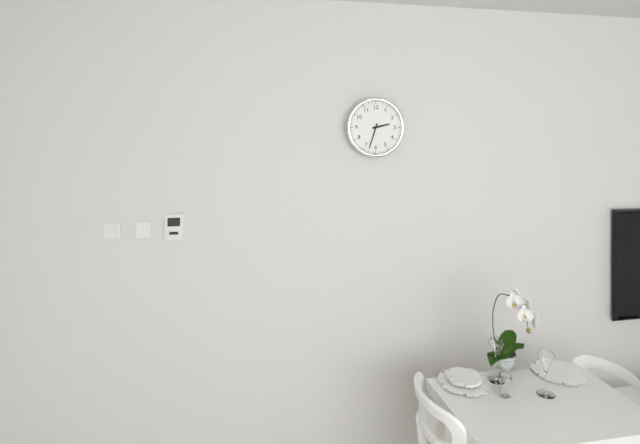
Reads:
{"hour": 2, "minute": 33}
